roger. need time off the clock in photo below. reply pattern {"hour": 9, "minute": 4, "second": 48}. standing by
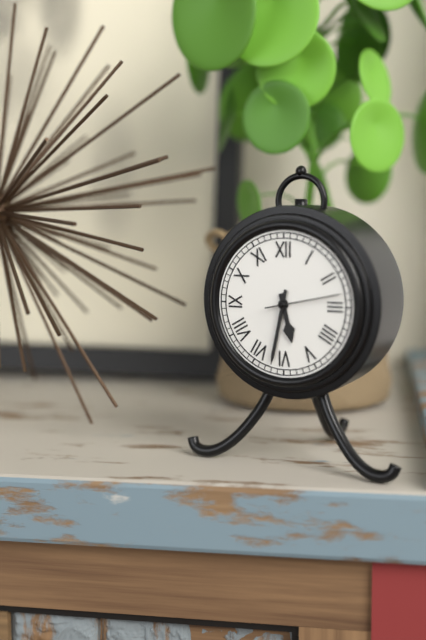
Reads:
{"hour": 5, "minute": 32, "second": 13}
